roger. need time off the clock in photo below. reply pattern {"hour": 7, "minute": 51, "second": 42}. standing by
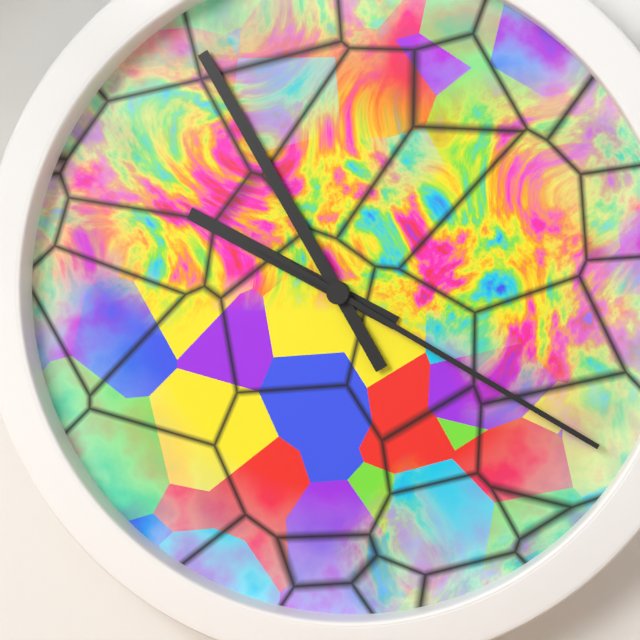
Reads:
{"hour": 9, "minute": 55, "second": 20}
